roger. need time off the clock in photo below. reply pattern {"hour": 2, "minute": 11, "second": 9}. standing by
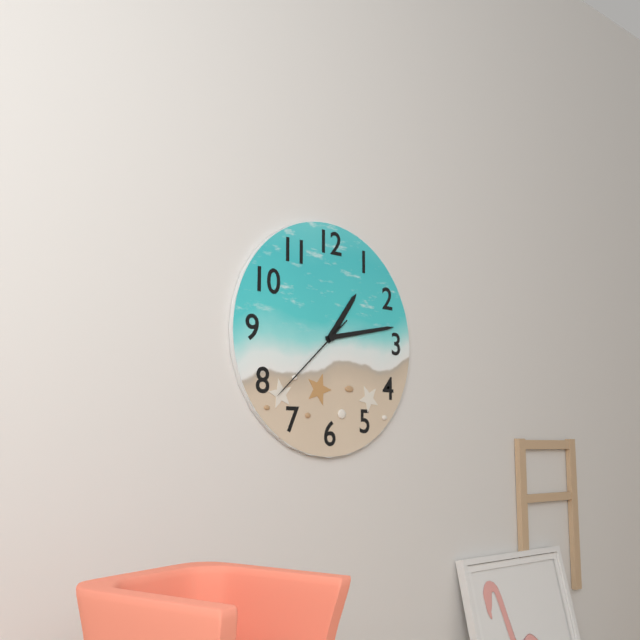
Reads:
{"hour": 1, "minute": 13, "second": 38}
